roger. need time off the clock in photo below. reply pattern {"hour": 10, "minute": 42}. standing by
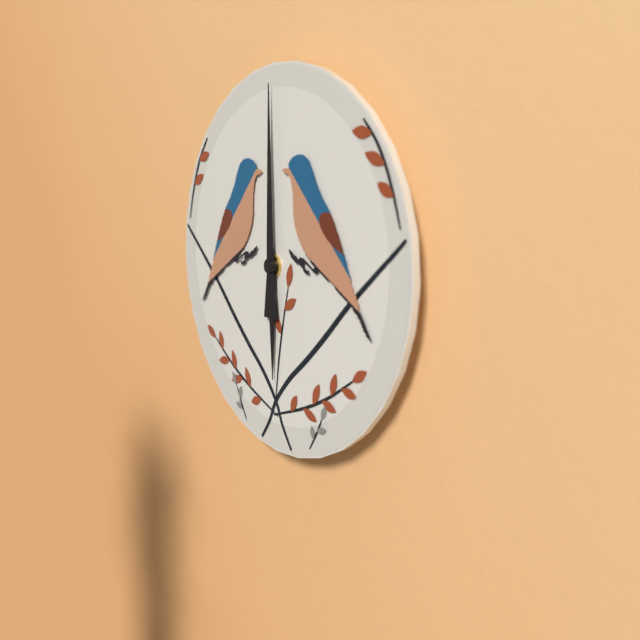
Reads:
{"hour": 6, "minute": 0}
